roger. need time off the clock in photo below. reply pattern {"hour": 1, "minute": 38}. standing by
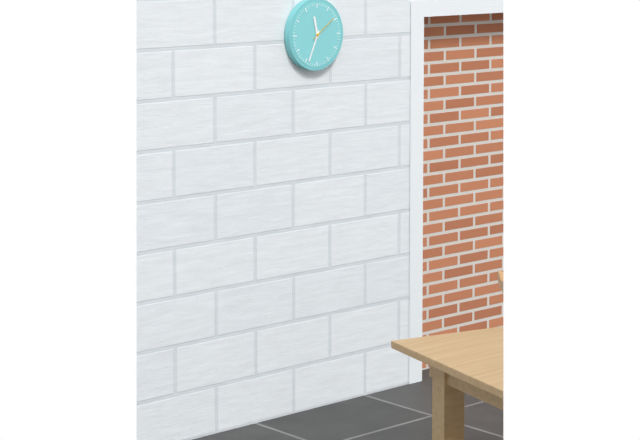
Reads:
{"hour": 11, "minute": 34}
